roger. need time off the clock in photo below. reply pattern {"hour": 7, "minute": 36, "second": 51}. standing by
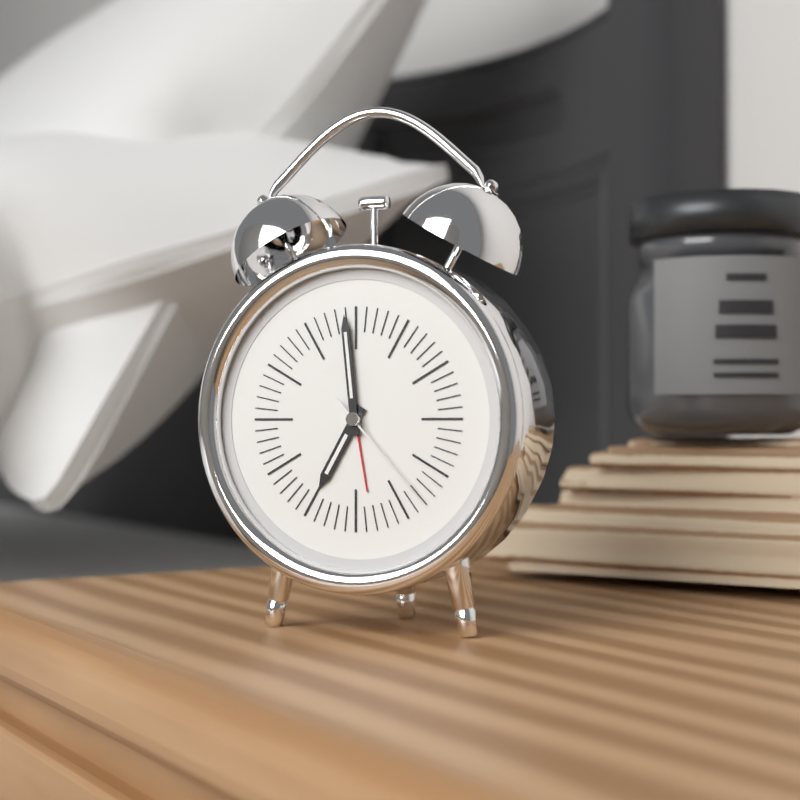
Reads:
{"hour": 6, "minute": 59, "second": 23}
